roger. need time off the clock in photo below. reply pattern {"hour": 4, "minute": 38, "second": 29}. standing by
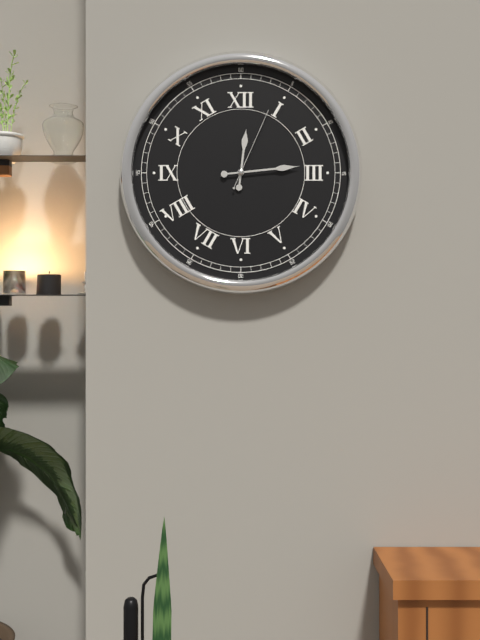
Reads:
{"hour": 12, "minute": 14, "second": 4}
